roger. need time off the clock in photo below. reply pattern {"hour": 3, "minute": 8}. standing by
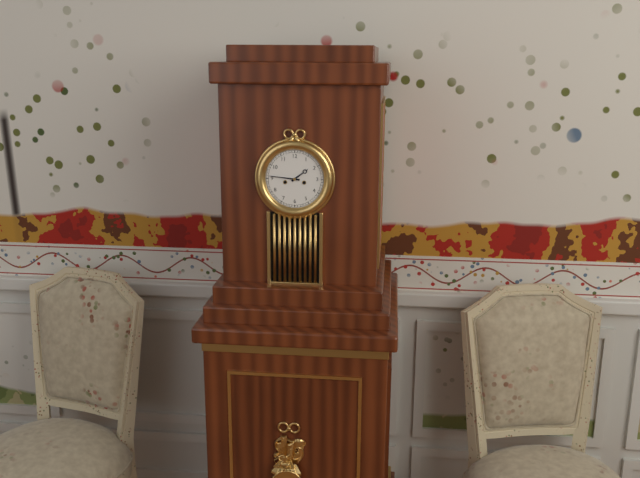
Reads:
{"hour": 1, "minute": 46}
